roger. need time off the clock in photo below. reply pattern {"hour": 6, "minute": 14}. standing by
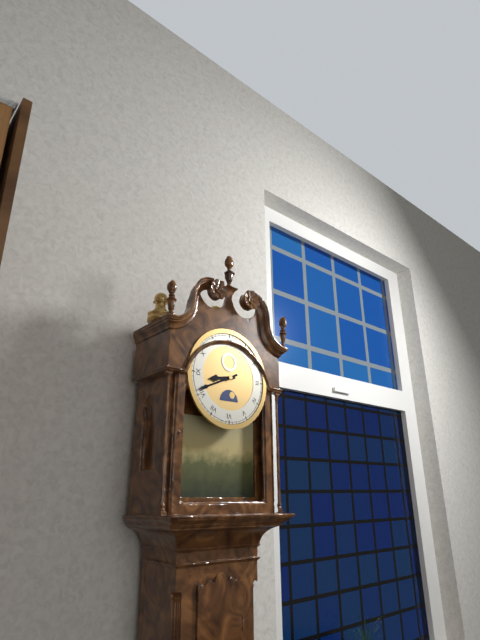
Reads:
{"hour": 8, "minute": 41}
